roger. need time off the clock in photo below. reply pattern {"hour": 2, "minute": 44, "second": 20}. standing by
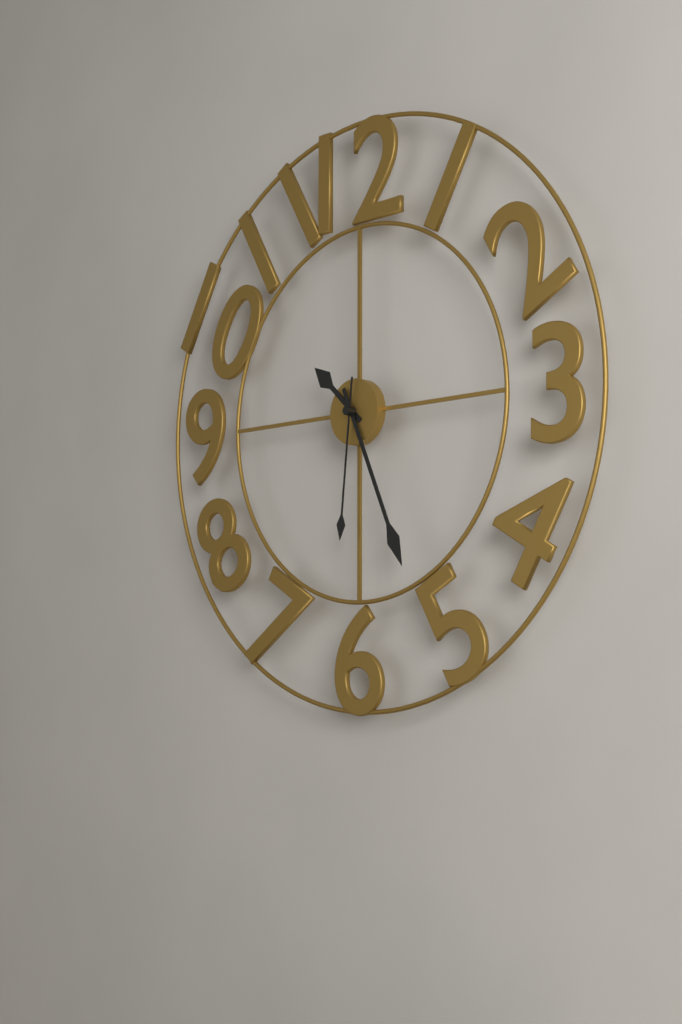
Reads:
{"hour": 10, "minute": 26, "second": 31}
